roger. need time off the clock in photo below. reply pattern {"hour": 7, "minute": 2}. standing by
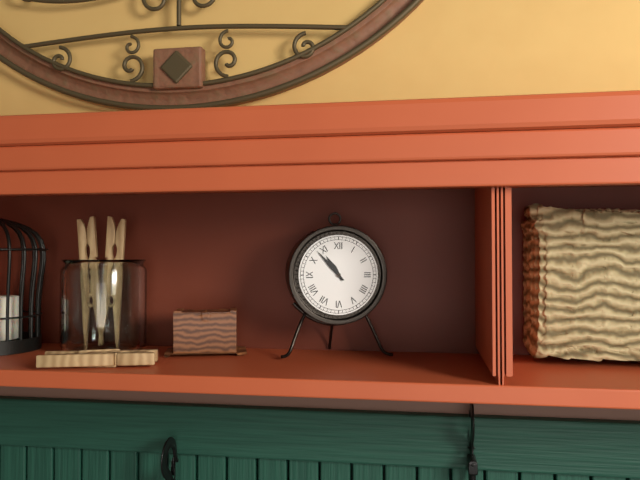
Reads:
{"hour": 10, "minute": 53}
